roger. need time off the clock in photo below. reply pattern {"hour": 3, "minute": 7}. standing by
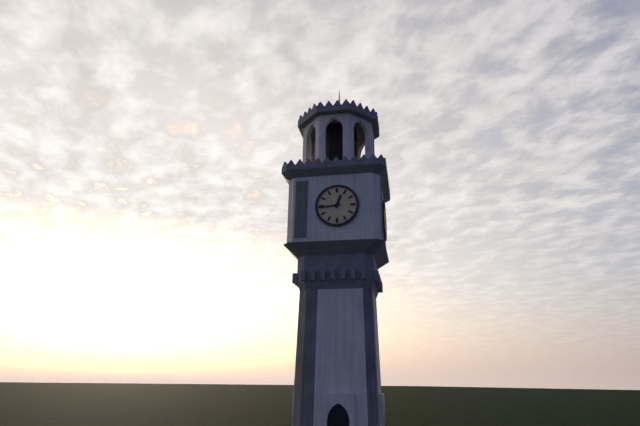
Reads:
{"hour": 12, "minute": 44}
